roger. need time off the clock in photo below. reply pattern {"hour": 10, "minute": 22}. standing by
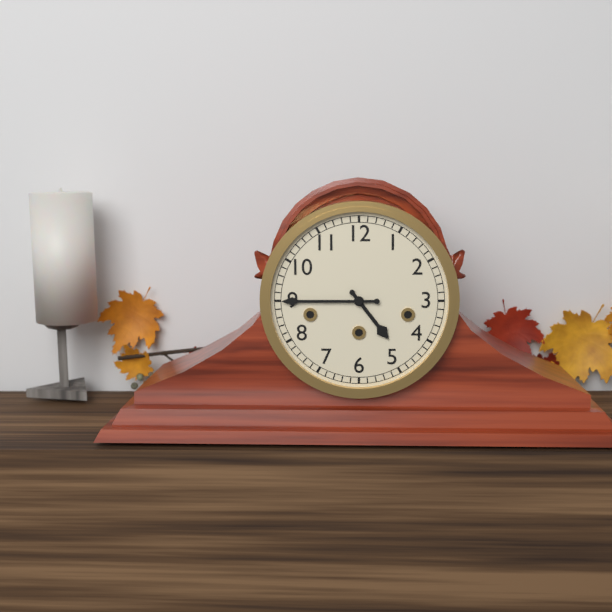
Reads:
{"hour": 4, "minute": 45}
